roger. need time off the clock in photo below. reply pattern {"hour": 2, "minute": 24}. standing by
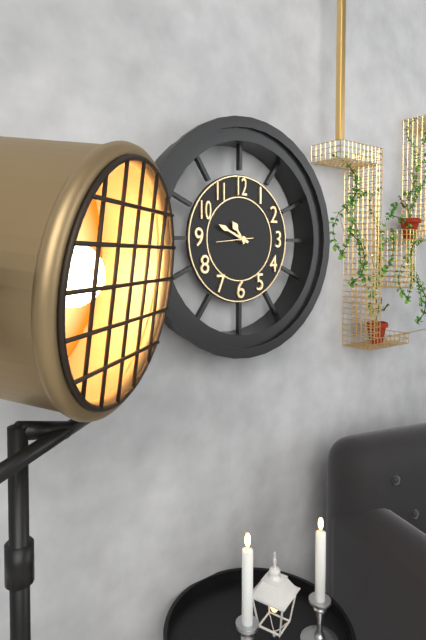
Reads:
{"hour": 10, "minute": 49}
